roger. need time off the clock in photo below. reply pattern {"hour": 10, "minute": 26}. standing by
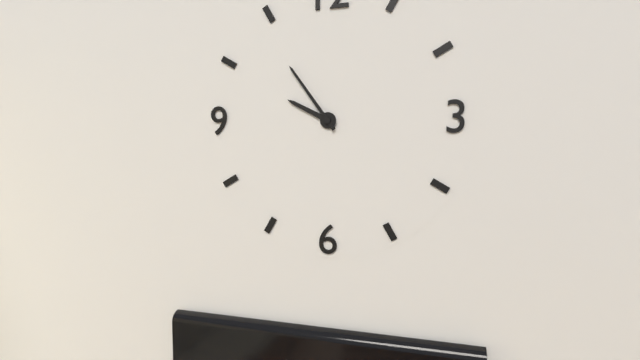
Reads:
{"hour": 9, "minute": 54}
